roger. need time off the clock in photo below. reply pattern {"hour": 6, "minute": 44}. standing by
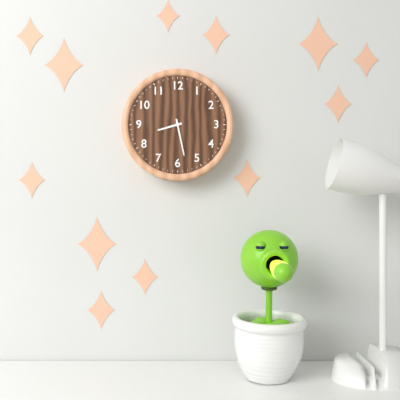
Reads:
{"hour": 8, "minute": 28}
